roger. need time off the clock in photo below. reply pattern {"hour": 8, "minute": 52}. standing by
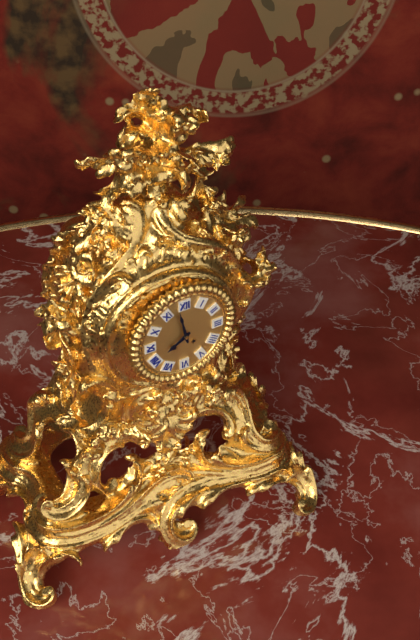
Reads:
{"hour": 7, "minute": 58}
